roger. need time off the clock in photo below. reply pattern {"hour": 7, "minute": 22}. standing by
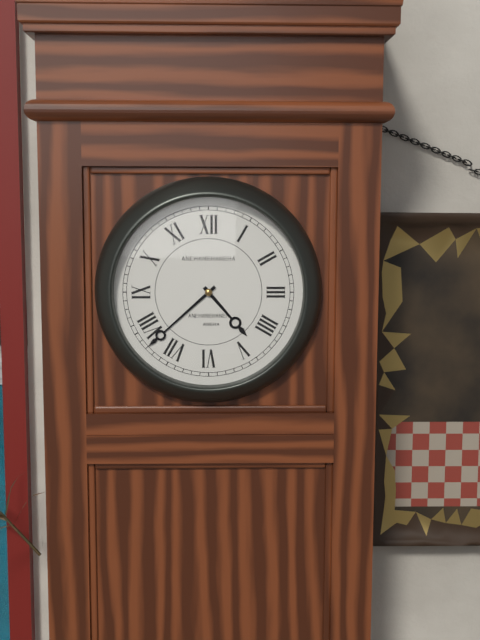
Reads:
{"hour": 4, "minute": 38}
